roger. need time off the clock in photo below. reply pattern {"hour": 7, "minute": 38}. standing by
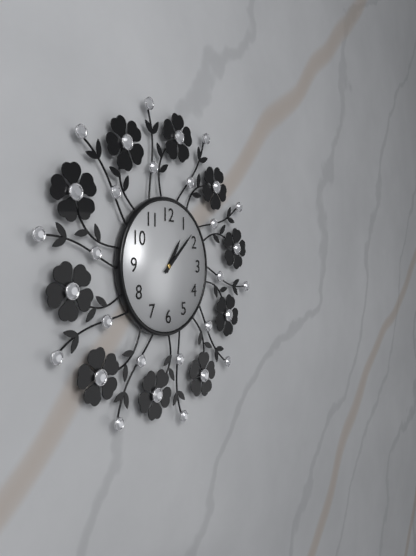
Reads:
{"hour": 1, "minute": 8}
